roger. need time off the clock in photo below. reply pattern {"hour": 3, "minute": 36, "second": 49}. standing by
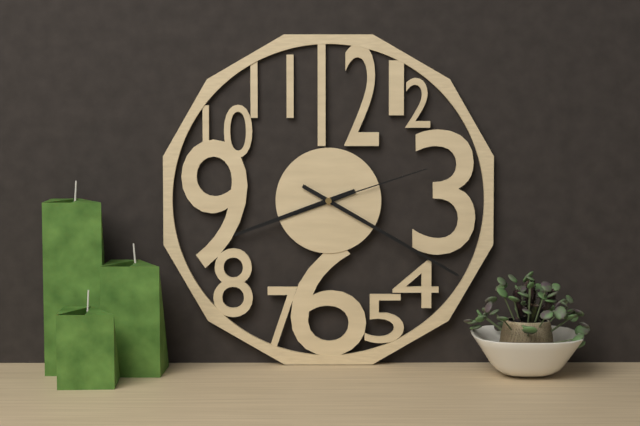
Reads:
{"hour": 8, "minute": 20, "second": 12}
